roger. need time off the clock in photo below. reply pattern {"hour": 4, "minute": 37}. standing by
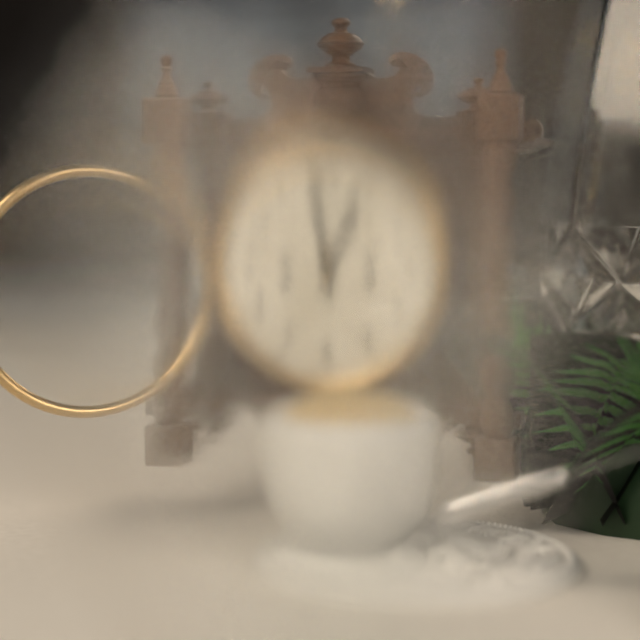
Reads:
{"hour": 12, "minute": 58}
